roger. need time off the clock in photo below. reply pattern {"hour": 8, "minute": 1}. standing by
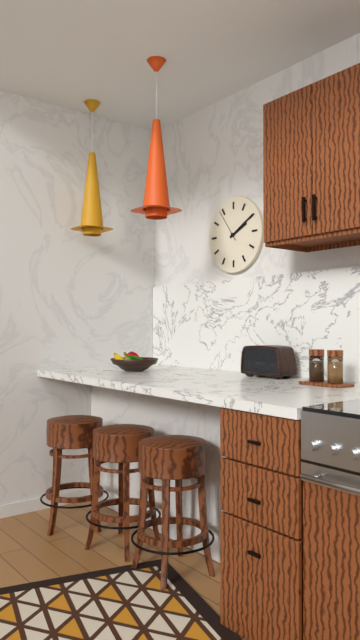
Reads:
{"hour": 2, "minute": 10}
